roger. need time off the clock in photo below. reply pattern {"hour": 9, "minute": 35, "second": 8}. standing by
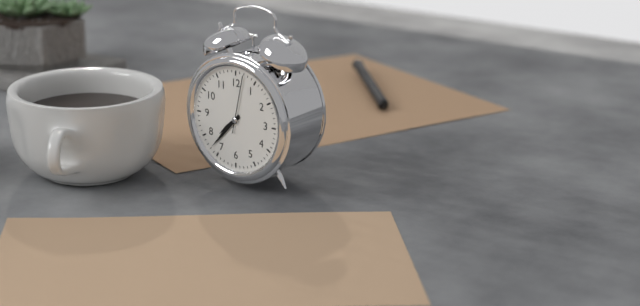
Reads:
{"hour": 7, "minute": 37, "second": 2}
